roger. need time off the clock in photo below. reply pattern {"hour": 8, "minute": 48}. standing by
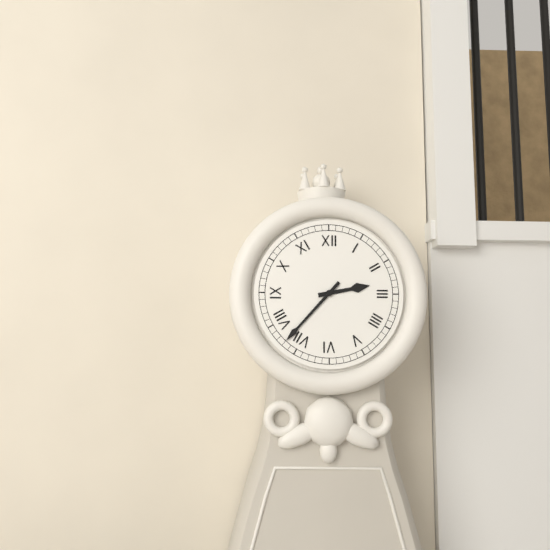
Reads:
{"hour": 2, "minute": 37}
